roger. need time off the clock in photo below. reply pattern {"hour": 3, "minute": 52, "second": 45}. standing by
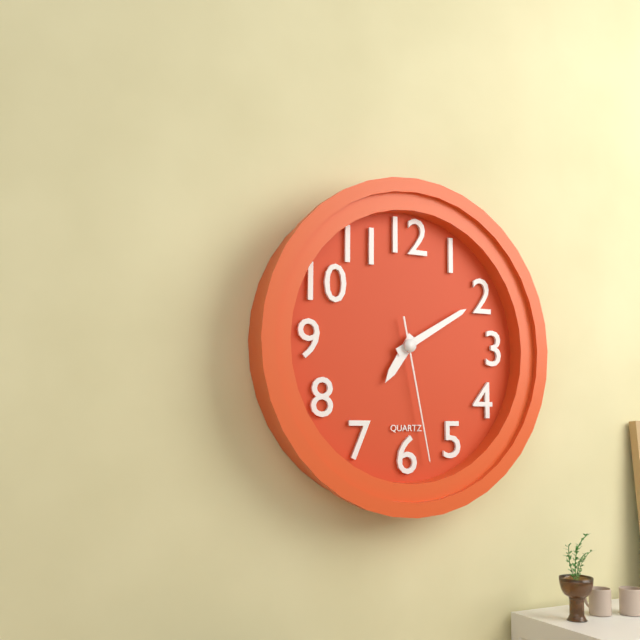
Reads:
{"hour": 7, "minute": 10, "second": 28}
